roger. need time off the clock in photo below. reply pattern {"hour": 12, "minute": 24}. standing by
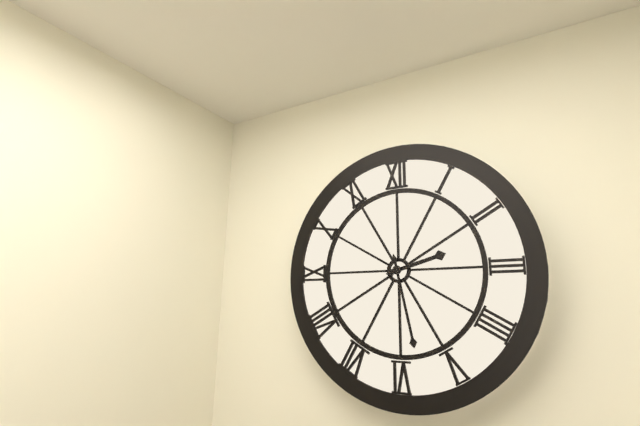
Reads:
{"hour": 2, "minute": 28}
